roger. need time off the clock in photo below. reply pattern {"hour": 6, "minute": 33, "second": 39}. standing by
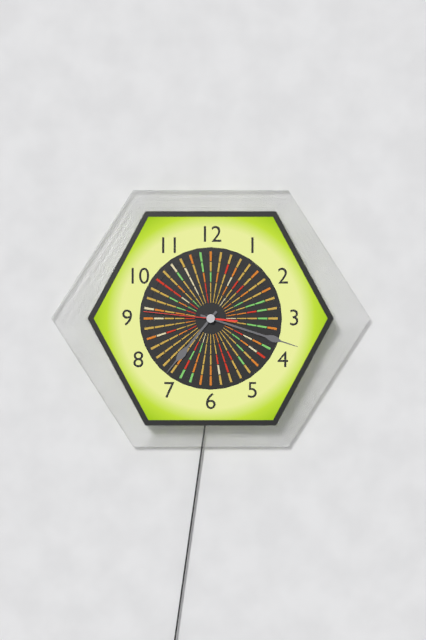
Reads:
{"hour": 7, "minute": 18, "second": 46}
